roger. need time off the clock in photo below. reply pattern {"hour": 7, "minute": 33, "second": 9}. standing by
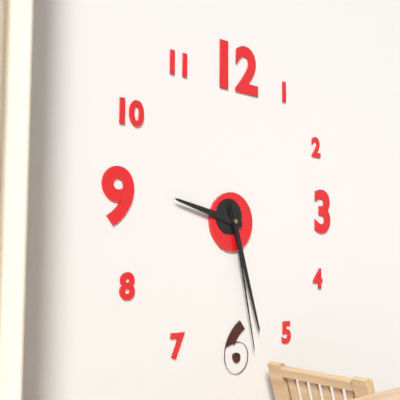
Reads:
{"hour": 9, "minute": 27, "second": 28}
